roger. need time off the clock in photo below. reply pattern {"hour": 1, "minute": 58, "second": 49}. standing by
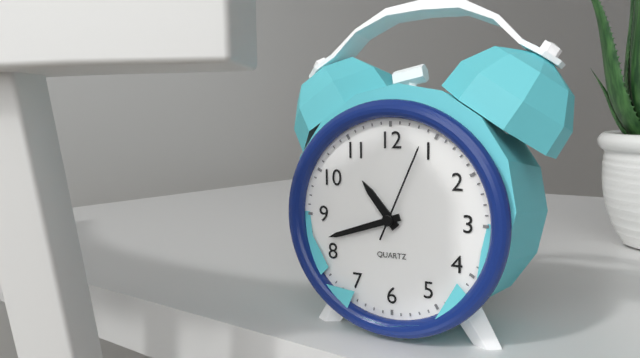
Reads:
{"hour": 10, "minute": 42, "second": 4}
